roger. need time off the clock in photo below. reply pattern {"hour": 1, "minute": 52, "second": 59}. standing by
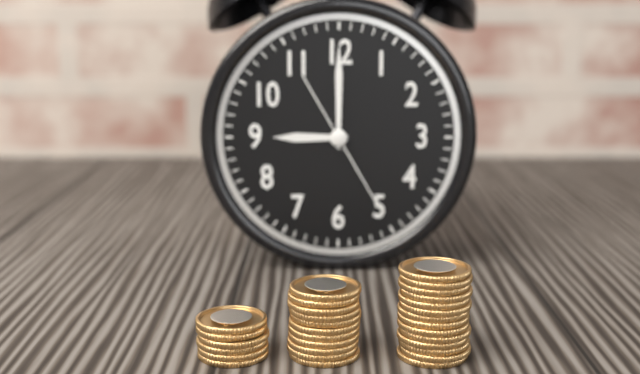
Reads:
{"hour": 9, "minute": 0, "second": 25}
